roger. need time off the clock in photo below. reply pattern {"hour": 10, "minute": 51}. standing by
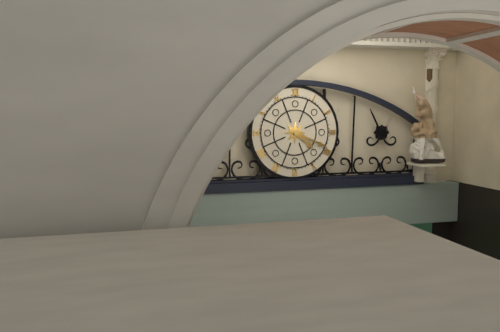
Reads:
{"hour": 4, "minute": 19}
